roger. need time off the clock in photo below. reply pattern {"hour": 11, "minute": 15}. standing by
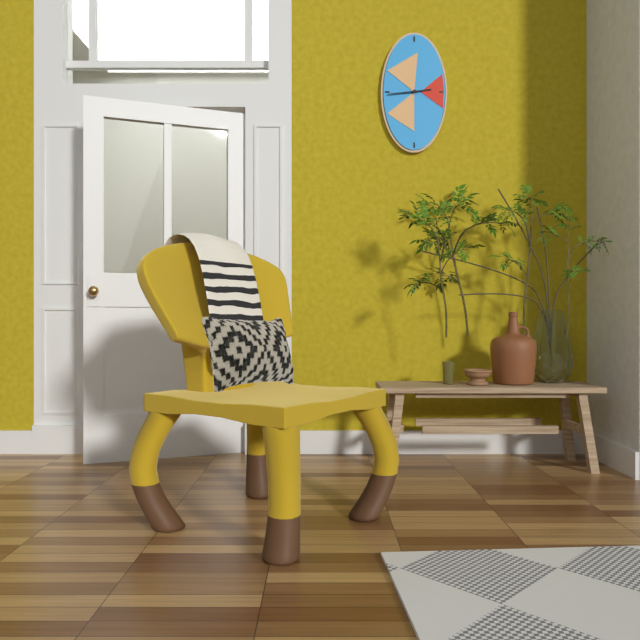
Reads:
{"hour": 2, "minute": 44}
